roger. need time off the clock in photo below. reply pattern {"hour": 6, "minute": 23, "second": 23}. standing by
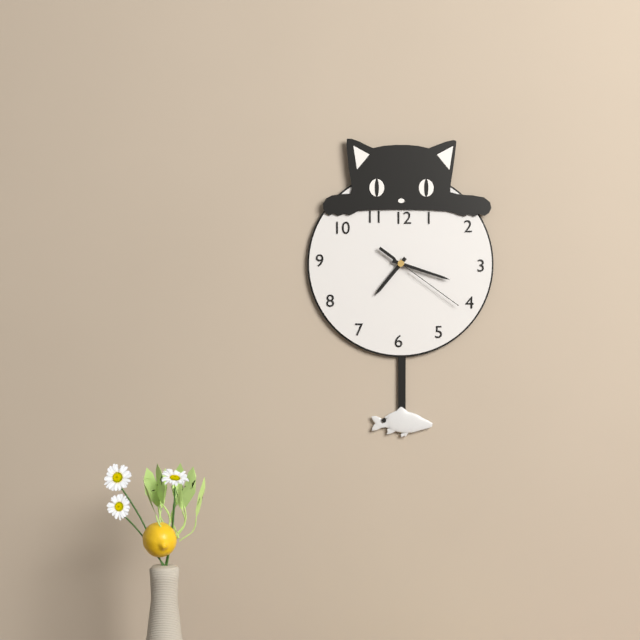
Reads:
{"hour": 7, "minute": 18, "second": 21}
